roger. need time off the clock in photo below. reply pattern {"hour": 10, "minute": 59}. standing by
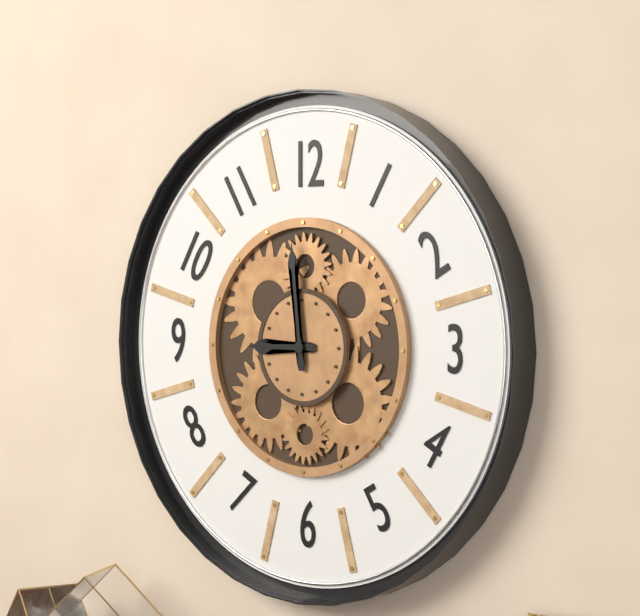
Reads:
{"hour": 8, "minute": 59}
